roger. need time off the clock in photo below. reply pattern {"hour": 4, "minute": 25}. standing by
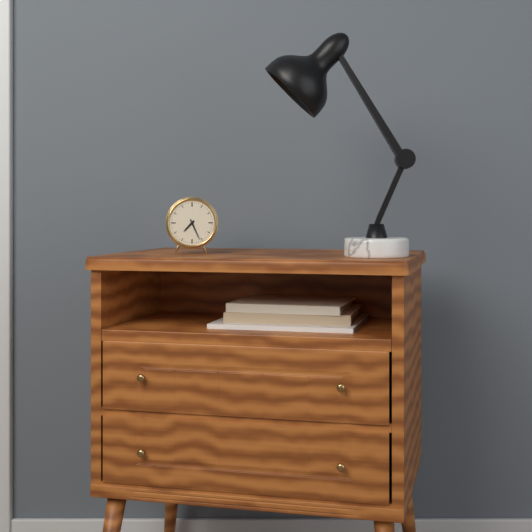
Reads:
{"hour": 7, "minute": 26}
